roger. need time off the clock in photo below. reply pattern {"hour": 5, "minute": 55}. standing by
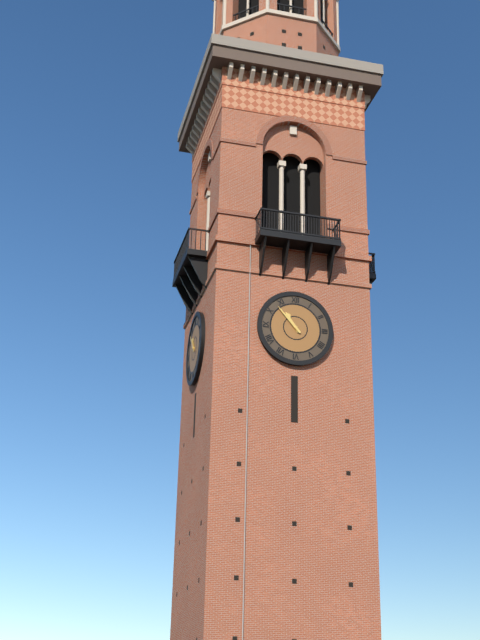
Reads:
{"hour": 10, "minute": 53}
